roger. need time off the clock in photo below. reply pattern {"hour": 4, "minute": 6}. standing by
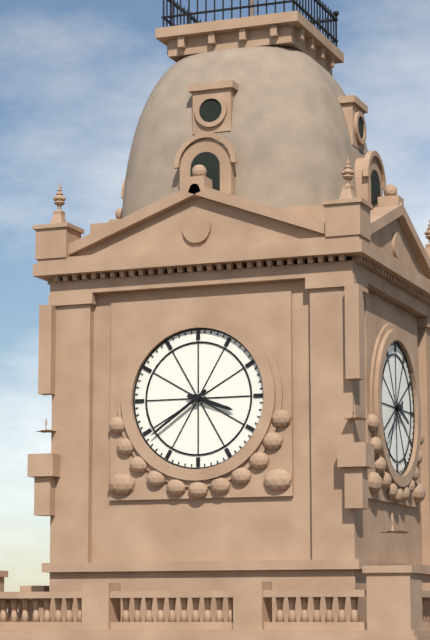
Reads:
{"hour": 3, "minute": 39}
